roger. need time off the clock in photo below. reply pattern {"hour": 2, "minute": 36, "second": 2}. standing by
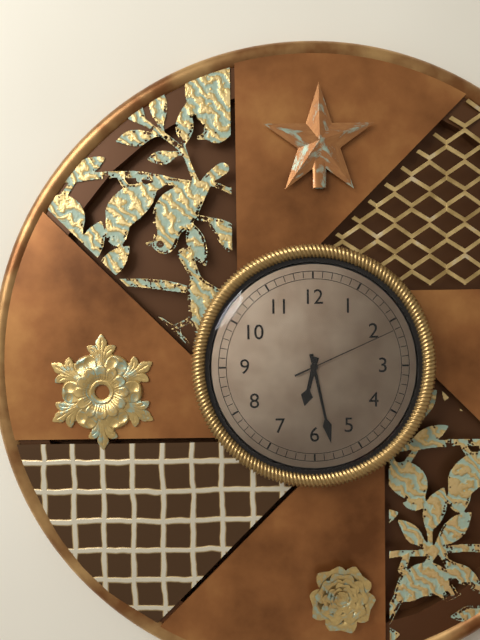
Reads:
{"hour": 6, "minute": 28, "second": 11}
